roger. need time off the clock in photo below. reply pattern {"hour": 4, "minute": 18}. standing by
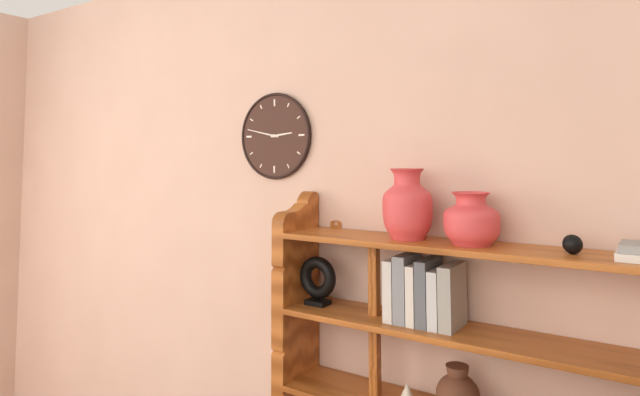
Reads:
{"hour": 2, "minute": 47}
